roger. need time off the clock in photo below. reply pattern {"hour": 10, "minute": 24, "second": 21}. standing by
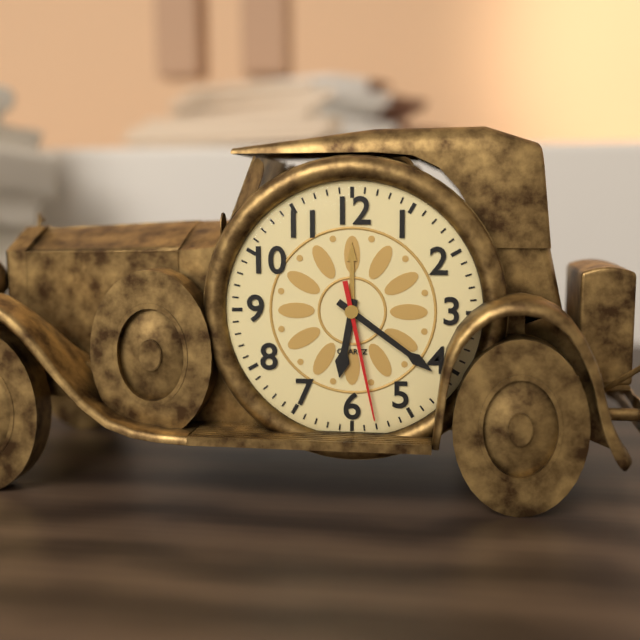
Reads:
{"hour": 6, "minute": 21, "second": 28}
